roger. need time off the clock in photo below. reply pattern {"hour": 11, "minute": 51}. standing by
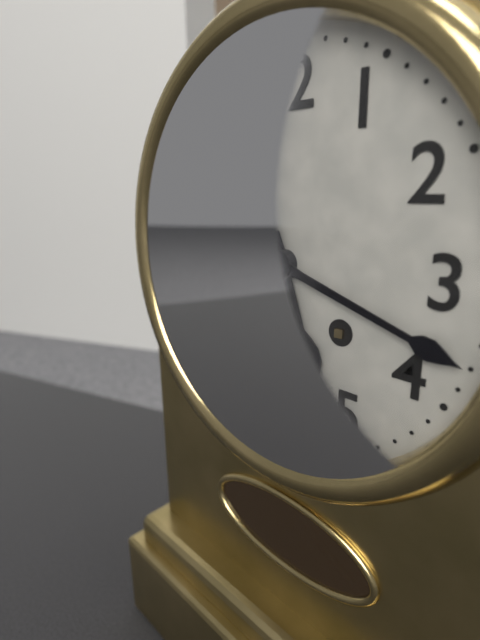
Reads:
{"hour": 5, "minute": 18}
